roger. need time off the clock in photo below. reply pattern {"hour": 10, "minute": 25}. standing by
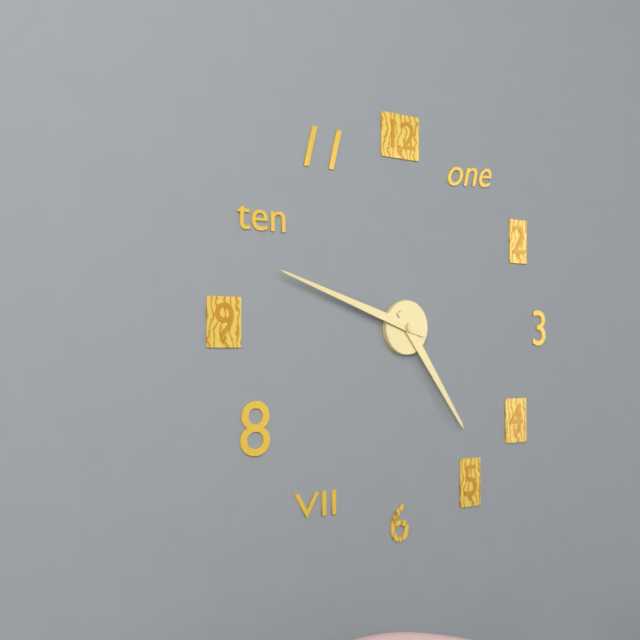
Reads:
{"hour": 4, "minute": 48}
